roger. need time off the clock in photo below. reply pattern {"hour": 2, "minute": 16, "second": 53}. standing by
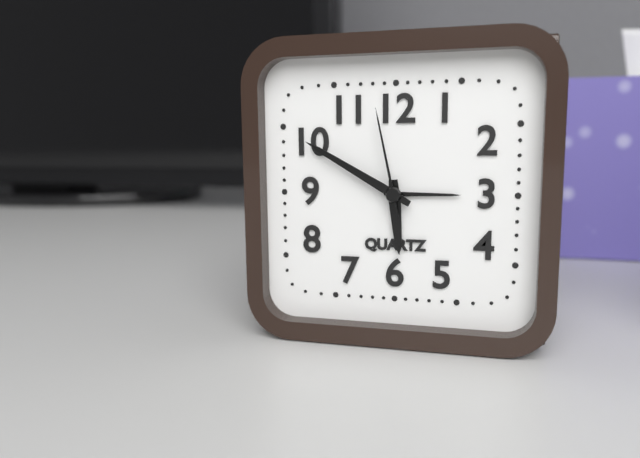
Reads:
{"hour": 5, "minute": 50, "second": 58}
